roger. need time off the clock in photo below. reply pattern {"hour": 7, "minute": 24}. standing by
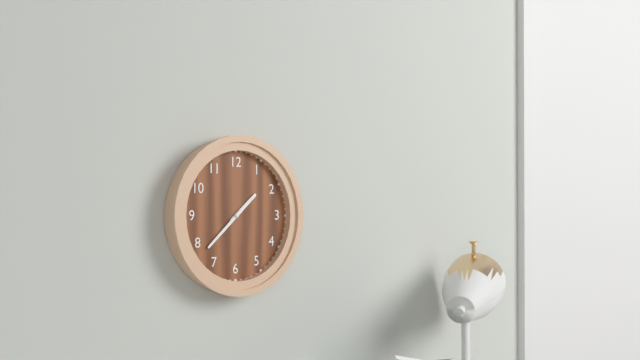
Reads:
{"hour": 1, "minute": 38}
